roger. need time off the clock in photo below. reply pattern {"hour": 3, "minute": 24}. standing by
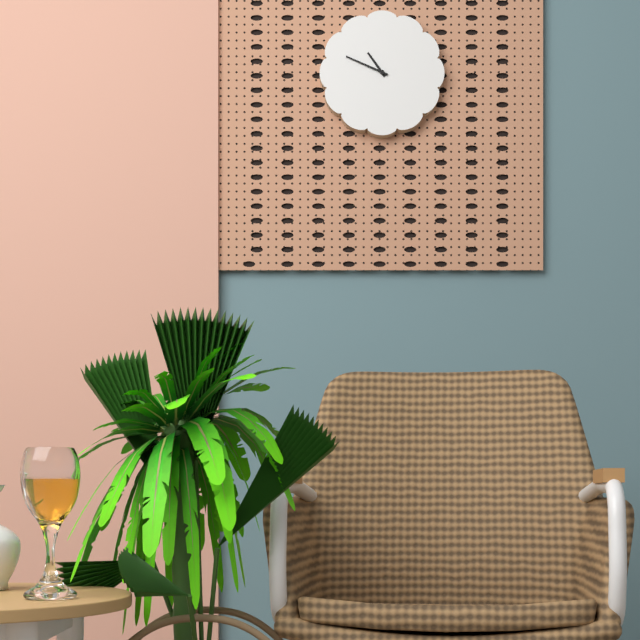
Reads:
{"hour": 10, "minute": 49}
